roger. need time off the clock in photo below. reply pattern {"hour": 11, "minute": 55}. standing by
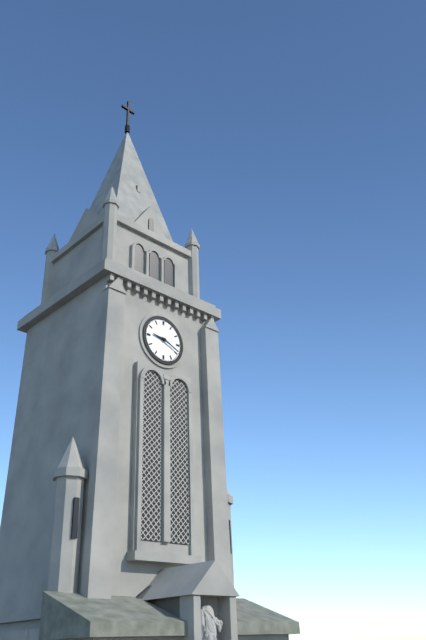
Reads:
{"hour": 9, "minute": 19}
